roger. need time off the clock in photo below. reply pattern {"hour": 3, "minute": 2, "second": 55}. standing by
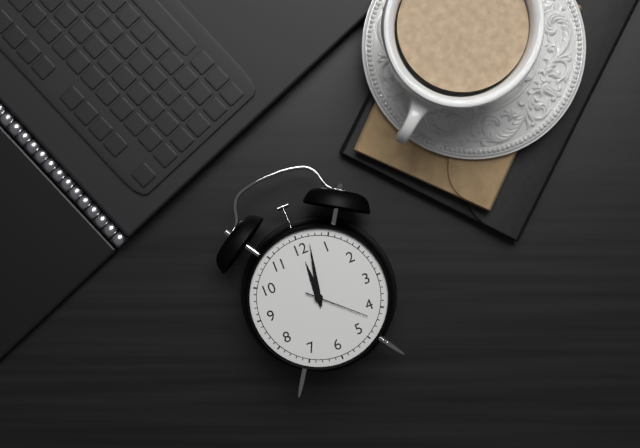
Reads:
{"hour": 12, "minute": 2, "second": 22}
